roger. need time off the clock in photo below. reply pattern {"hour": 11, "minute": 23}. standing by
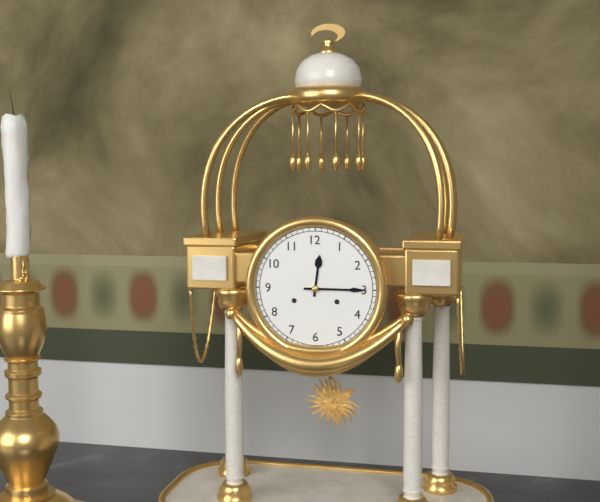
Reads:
{"hour": 12, "minute": 15}
